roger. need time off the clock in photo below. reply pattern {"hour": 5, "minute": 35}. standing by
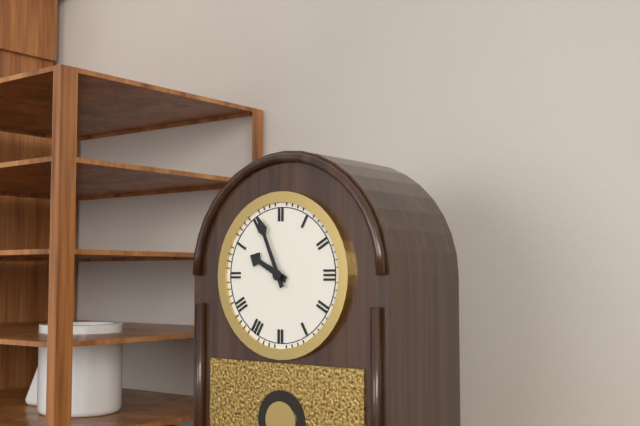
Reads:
{"hour": 9, "minute": 56}
